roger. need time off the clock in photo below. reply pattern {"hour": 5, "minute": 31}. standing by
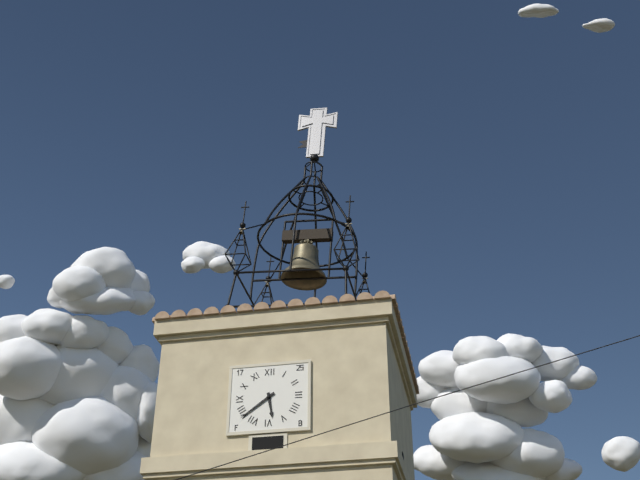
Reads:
{"hour": 5, "minute": 39}
